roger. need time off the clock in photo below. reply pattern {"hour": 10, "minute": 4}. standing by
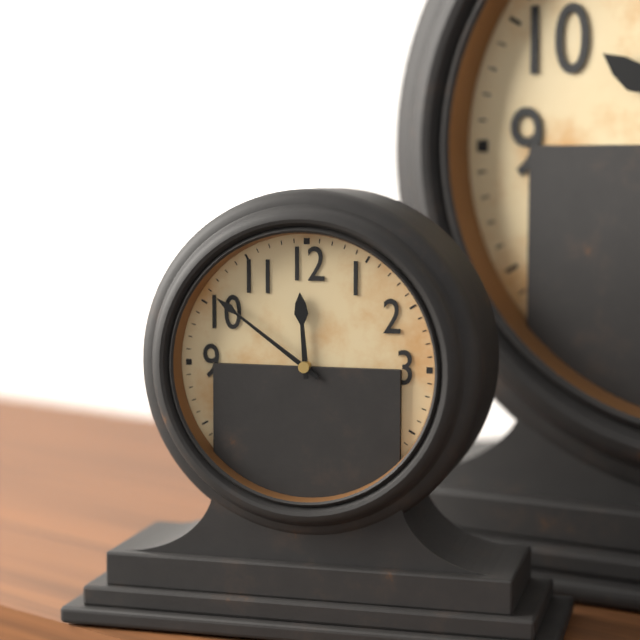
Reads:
{"hour": 11, "minute": 51}
